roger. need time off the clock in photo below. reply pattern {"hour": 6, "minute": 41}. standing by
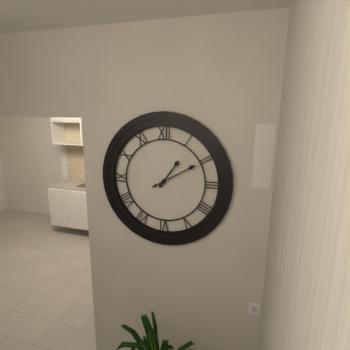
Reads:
{"hour": 1, "minute": 10}
